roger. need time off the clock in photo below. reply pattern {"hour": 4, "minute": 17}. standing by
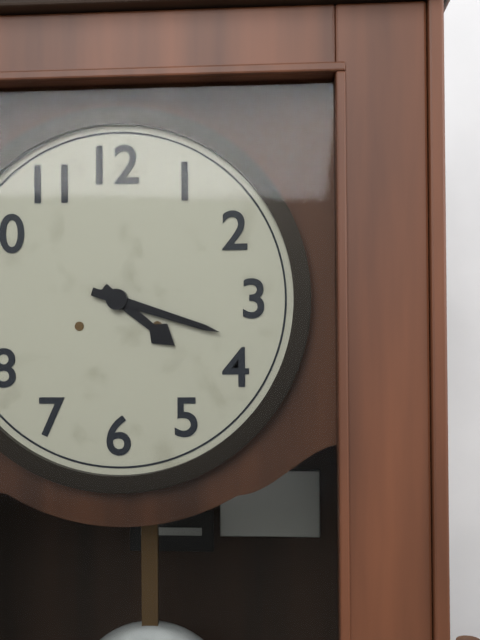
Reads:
{"hour": 4, "minute": 18}
